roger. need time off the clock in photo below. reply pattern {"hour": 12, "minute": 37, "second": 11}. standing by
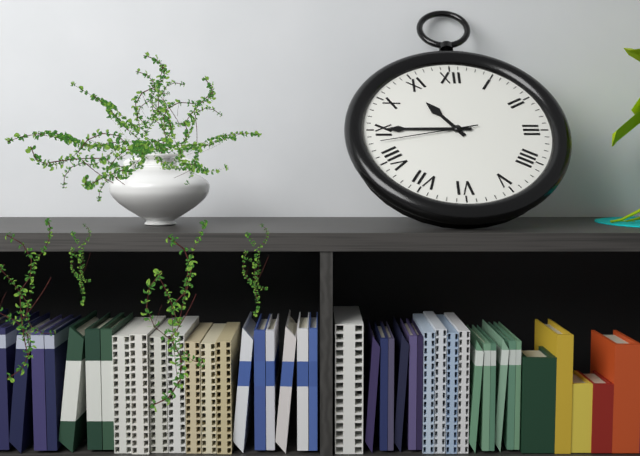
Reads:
{"hour": 10, "minute": 45, "second": 43}
